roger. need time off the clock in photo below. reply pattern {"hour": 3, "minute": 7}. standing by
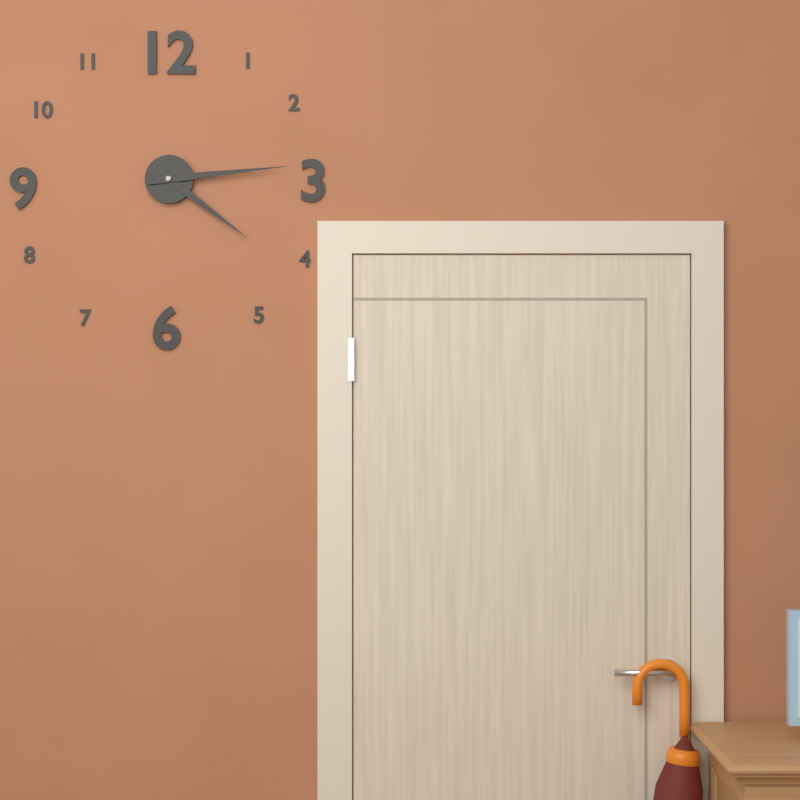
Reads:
{"hour": 4, "minute": 14}
